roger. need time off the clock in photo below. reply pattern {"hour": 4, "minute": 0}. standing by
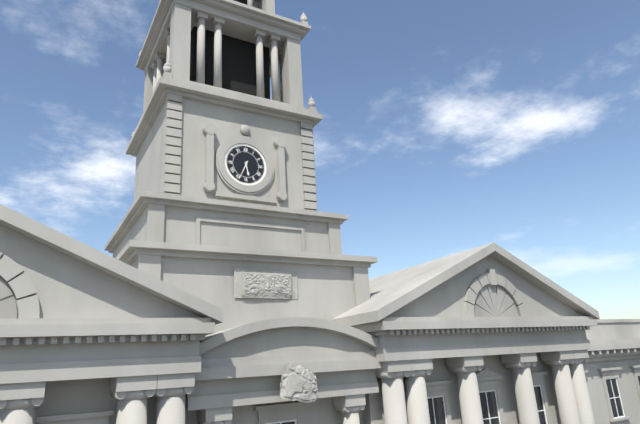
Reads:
{"hour": 5, "minute": 34}
